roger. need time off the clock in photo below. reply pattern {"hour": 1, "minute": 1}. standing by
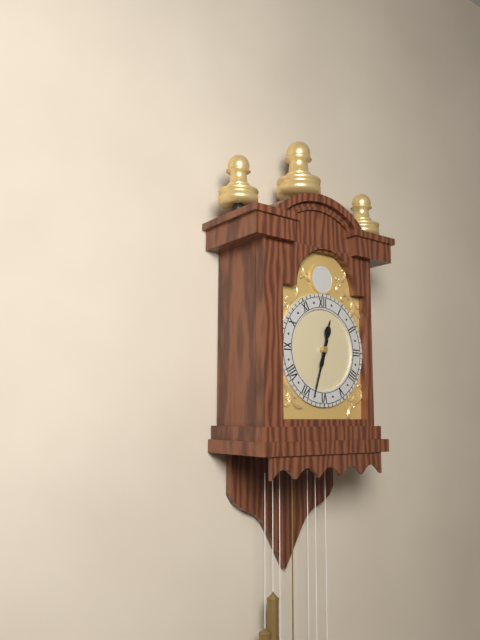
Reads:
{"hour": 12, "minute": 33}
